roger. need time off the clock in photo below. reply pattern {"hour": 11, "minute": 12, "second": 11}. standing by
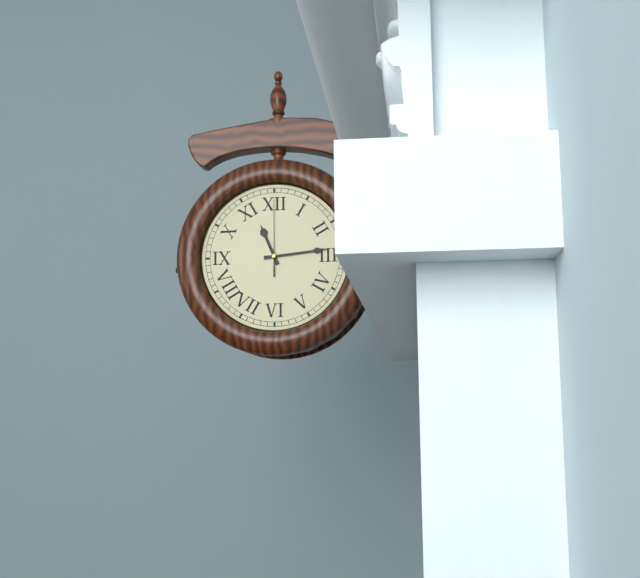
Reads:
{"hour": 11, "minute": 14, "second": 0}
